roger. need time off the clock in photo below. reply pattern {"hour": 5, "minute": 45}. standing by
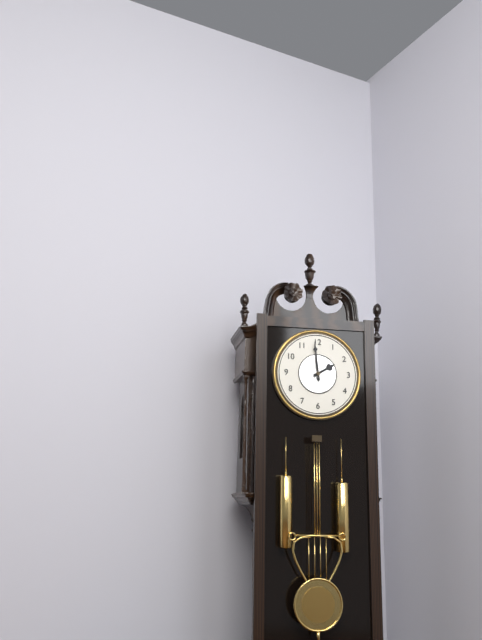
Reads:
{"hour": 1, "minute": 59}
